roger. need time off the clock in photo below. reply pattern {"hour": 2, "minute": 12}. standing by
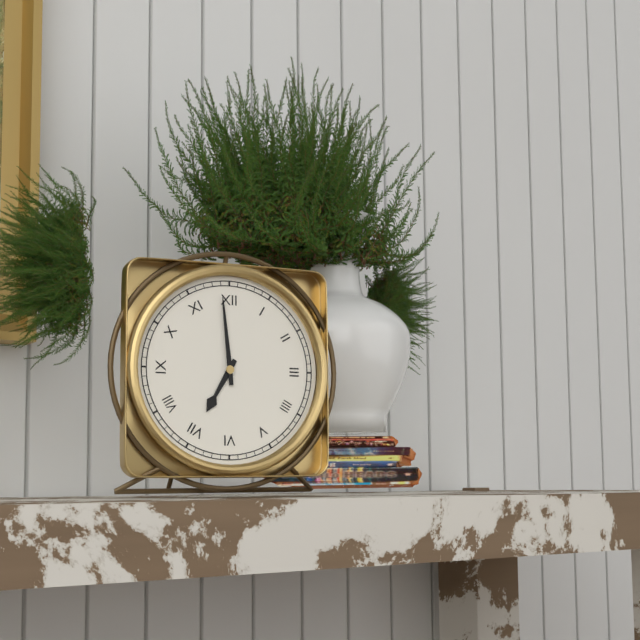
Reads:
{"hour": 6, "minute": 59}
